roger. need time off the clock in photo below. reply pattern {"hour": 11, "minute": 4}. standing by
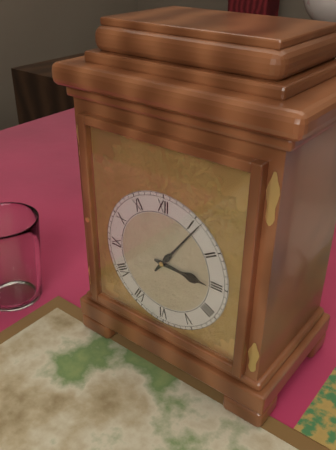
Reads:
{"hour": 3, "minute": 6}
